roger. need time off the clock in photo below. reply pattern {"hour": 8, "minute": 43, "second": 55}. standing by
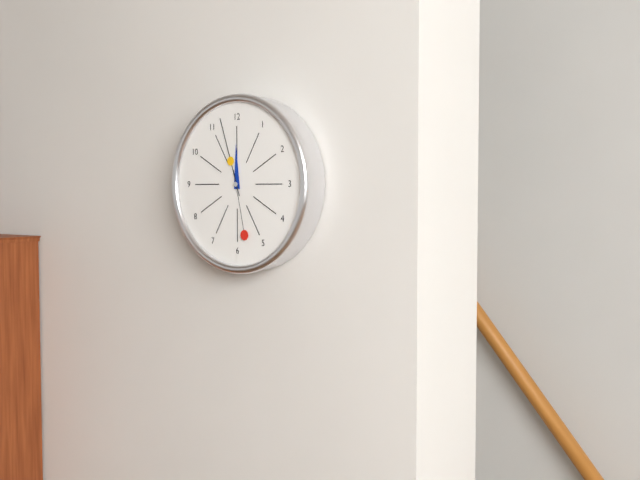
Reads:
{"hour": 11, "minute": 57, "second": 28}
